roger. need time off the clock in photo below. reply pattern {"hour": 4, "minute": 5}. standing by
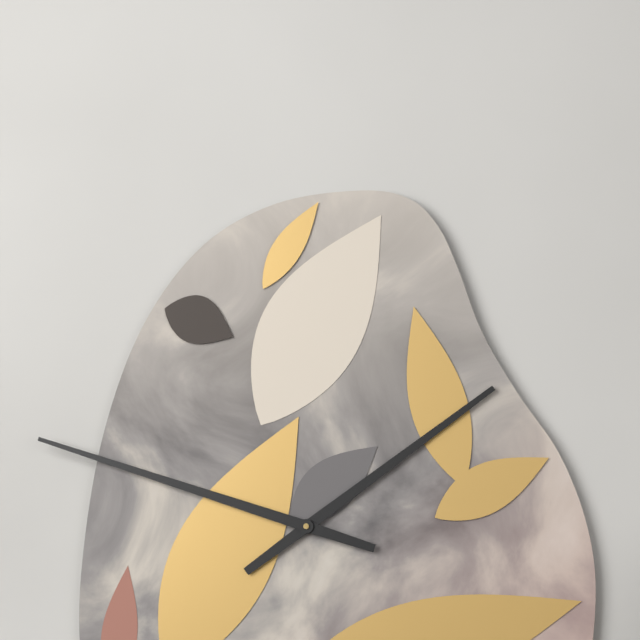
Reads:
{"hour": 1, "minute": 48}
